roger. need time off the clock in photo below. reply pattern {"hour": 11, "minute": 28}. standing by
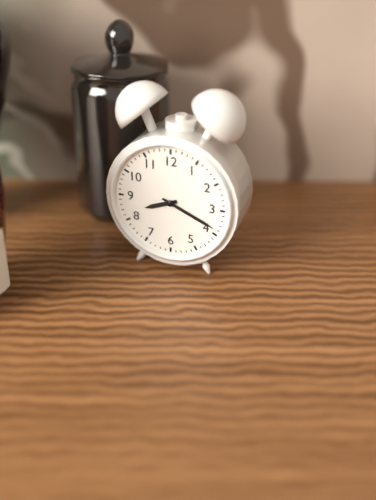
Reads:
{"hour": 8, "minute": 19}
